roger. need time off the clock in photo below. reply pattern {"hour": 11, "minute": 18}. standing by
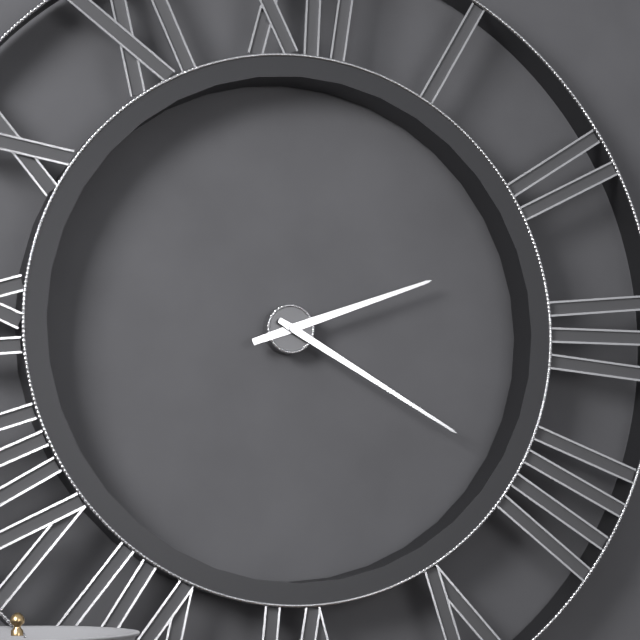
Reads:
{"hour": 2, "minute": 20}
